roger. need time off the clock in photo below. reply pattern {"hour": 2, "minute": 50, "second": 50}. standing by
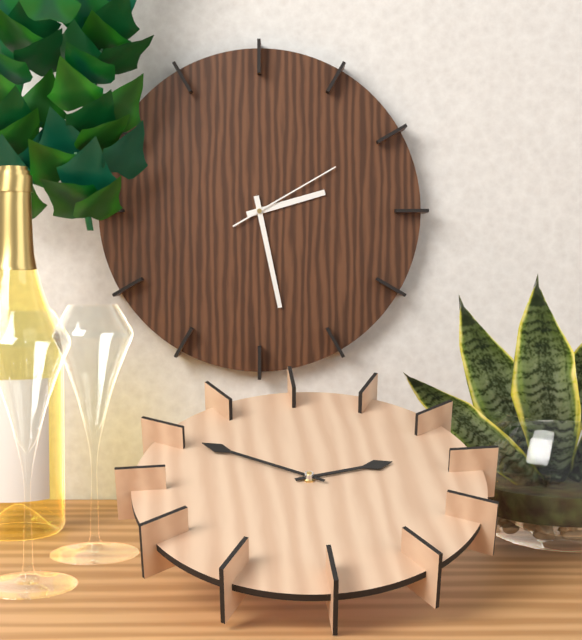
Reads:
{"hour": 2, "minute": 28, "second": 10}
